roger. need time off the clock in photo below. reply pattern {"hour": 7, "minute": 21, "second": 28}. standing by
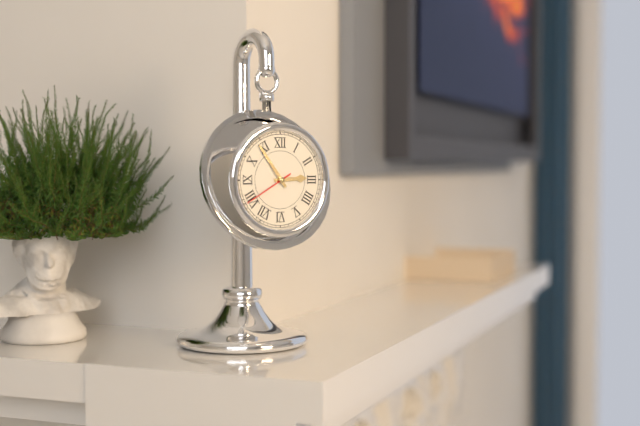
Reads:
{"hour": 2, "minute": 54, "second": 40}
